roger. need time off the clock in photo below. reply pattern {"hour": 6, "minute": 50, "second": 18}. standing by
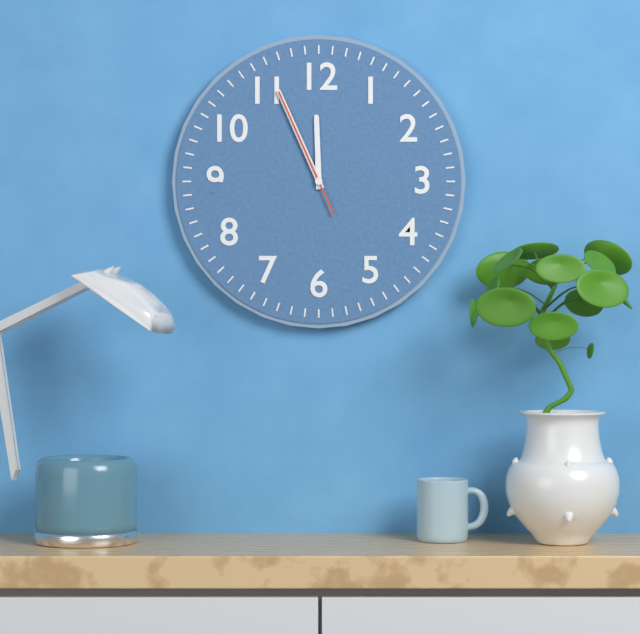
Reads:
{"hour": 11, "minute": 56, "second": 56}
